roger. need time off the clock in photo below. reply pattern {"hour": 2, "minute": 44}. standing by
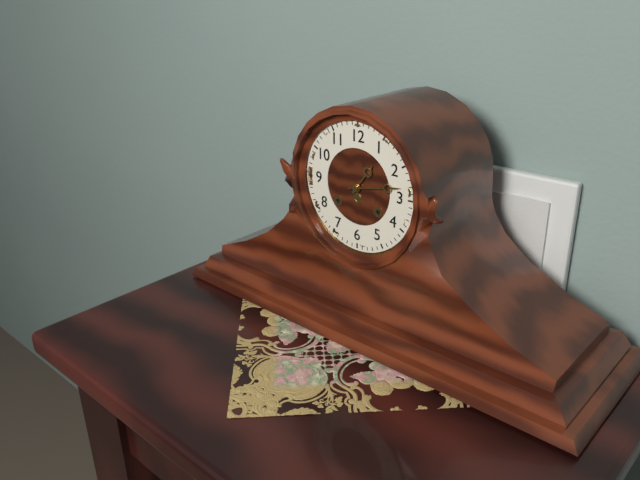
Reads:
{"hour": 1, "minute": 13}
